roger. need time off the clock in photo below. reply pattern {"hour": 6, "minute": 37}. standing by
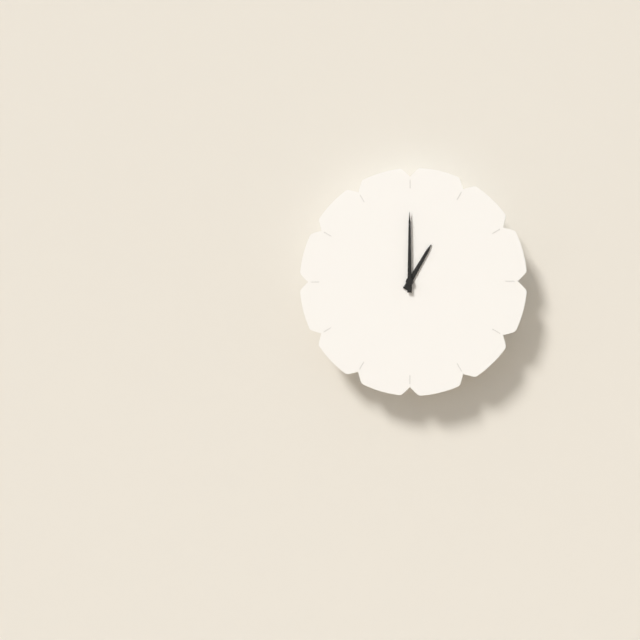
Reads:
{"hour": 1, "minute": 0}
